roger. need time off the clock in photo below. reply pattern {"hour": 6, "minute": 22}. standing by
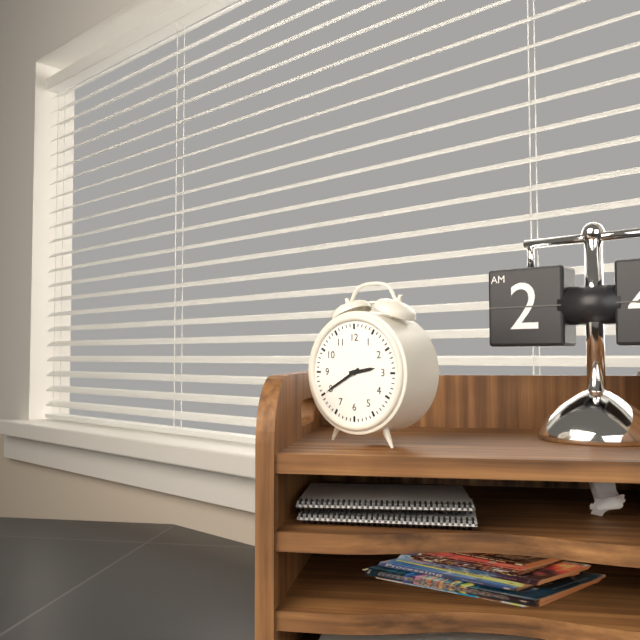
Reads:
{"hour": 2, "minute": 40}
